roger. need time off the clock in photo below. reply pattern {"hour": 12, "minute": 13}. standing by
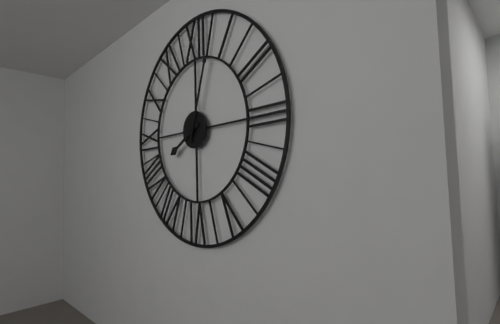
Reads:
{"hour": 8, "minute": 3}
